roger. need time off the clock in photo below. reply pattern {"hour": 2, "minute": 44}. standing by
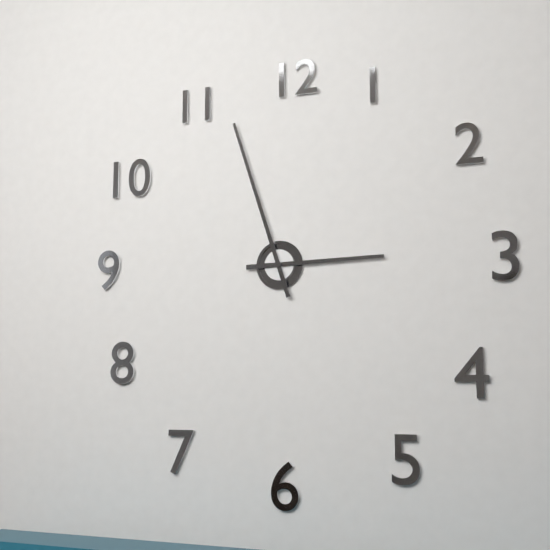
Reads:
{"hour": 2, "minute": 57}
